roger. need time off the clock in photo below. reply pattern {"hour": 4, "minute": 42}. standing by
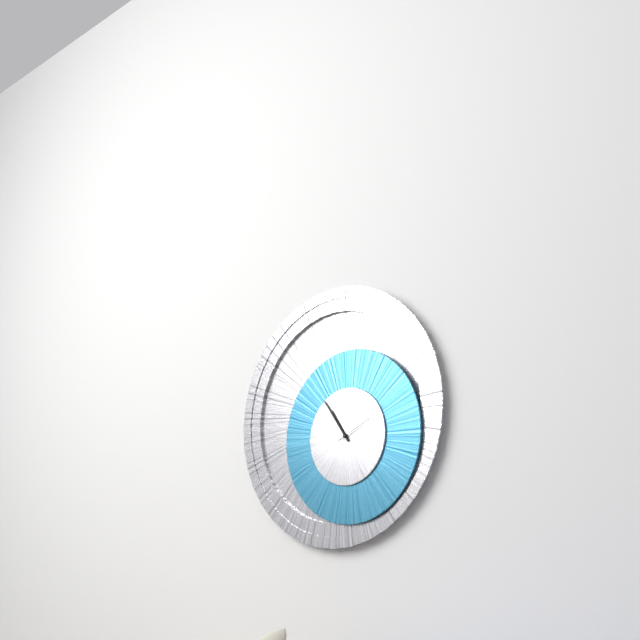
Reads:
{"hour": 10, "minute": 54}
